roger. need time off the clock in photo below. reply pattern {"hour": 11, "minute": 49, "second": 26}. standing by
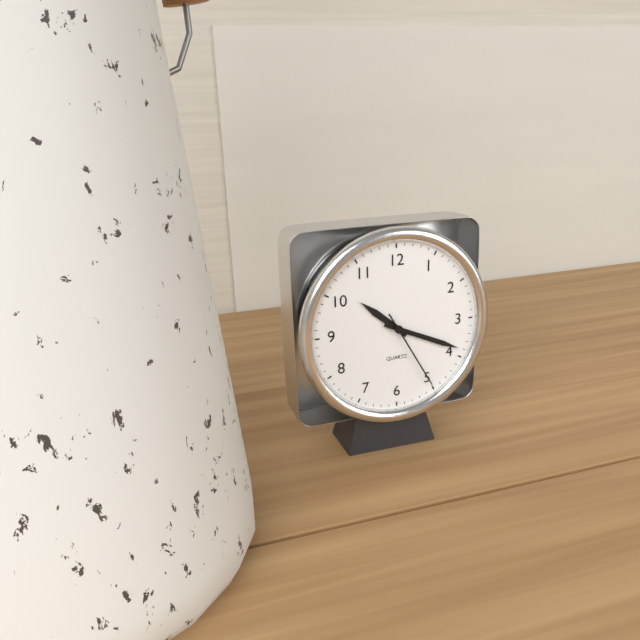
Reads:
{"hour": 10, "minute": 19, "second": 25}
